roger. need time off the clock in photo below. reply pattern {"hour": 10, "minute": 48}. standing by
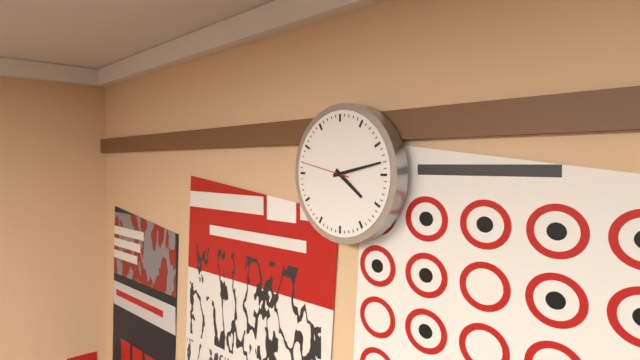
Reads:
{"hour": 4, "minute": 13}
